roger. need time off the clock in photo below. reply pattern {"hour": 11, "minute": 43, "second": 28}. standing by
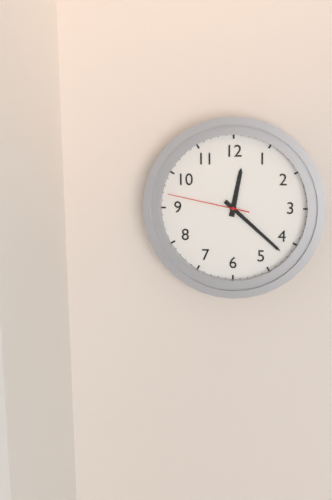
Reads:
{"hour": 12, "minute": 22, "second": 47}
